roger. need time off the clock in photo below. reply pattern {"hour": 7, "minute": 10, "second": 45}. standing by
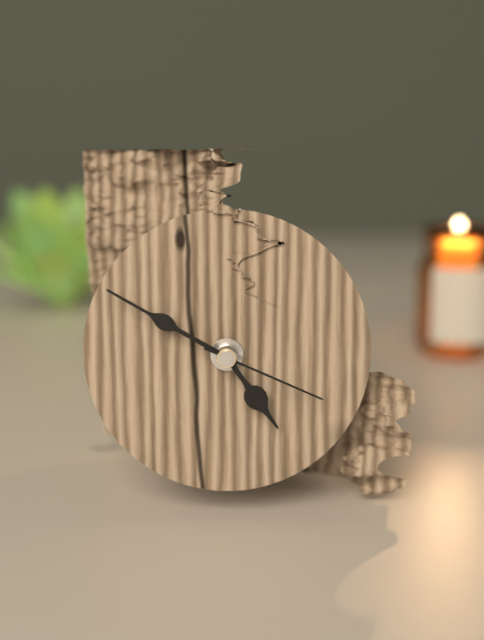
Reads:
{"hour": 4, "minute": 50, "second": 19}
